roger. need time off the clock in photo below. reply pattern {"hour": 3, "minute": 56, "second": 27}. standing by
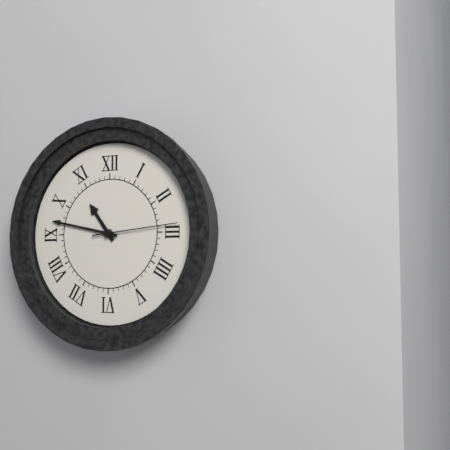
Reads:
{"hour": 10, "minute": 47, "second": 14}
